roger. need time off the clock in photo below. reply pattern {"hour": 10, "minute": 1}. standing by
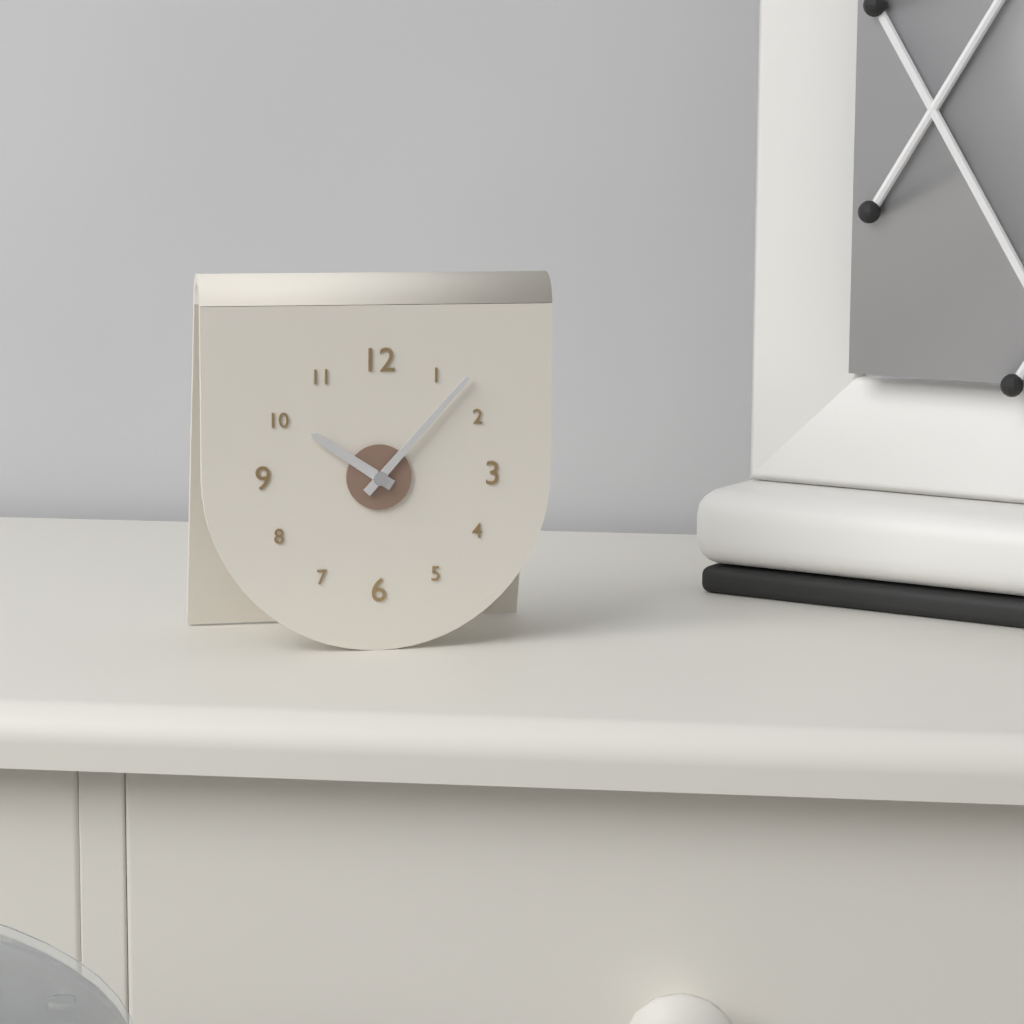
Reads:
{"hour": 10, "minute": 7}
